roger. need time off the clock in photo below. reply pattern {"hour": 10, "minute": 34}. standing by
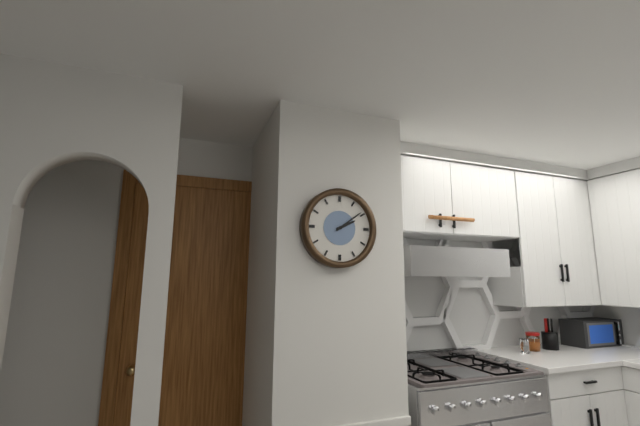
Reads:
{"hour": 2, "minute": 9}
